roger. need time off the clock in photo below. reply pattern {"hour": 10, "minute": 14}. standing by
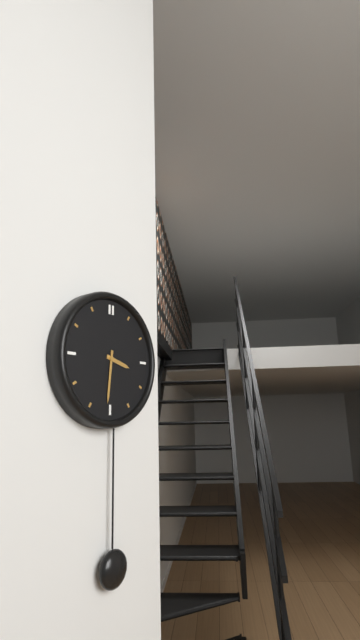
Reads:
{"hour": 3, "minute": 31}
